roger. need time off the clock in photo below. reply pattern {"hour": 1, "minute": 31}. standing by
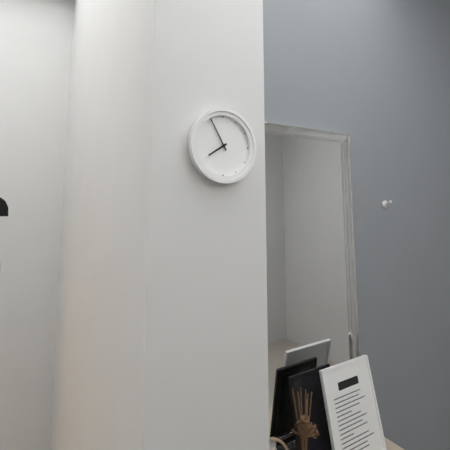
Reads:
{"hour": 7, "minute": 55}
